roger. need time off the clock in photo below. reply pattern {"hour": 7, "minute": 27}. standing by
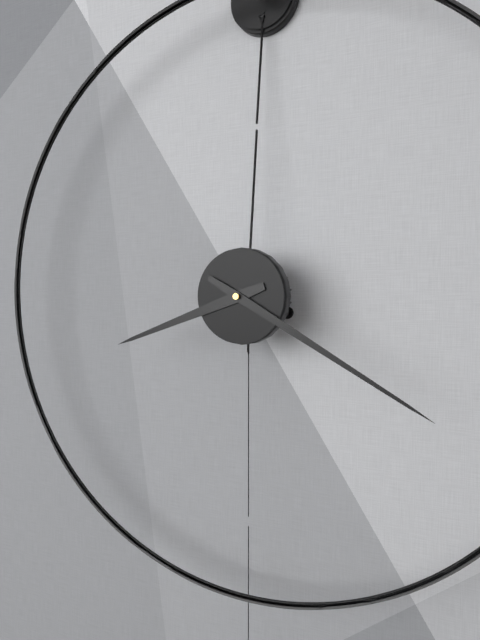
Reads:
{"hour": 8, "minute": 20}
